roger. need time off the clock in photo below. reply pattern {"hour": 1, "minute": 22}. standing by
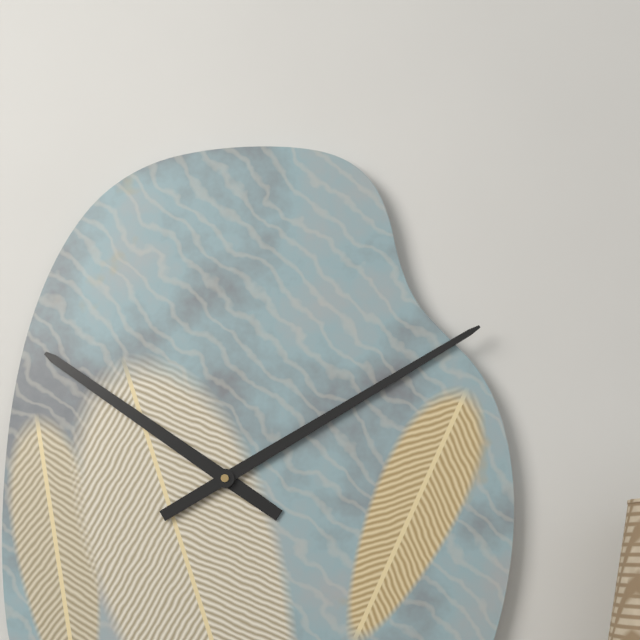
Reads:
{"hour": 10, "minute": 10}
